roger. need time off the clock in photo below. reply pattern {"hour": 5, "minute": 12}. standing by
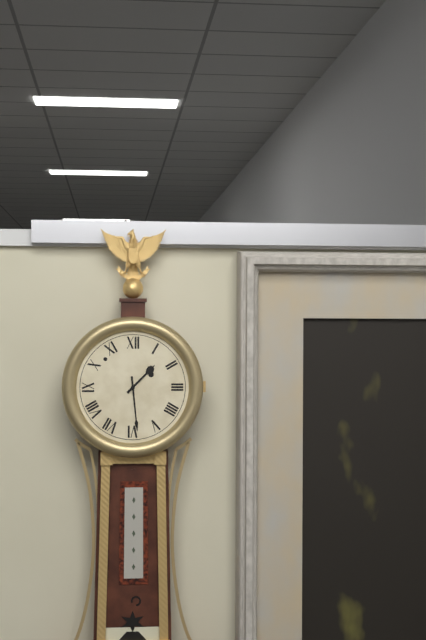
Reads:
{"hour": 1, "minute": 29}
